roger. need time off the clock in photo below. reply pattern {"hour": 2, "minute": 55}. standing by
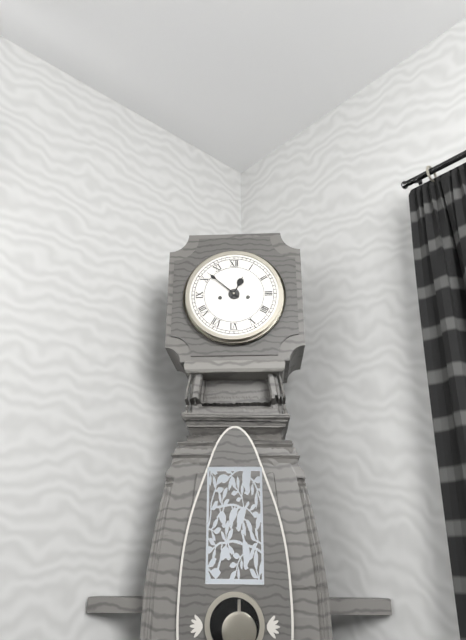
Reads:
{"hour": 12, "minute": 52}
